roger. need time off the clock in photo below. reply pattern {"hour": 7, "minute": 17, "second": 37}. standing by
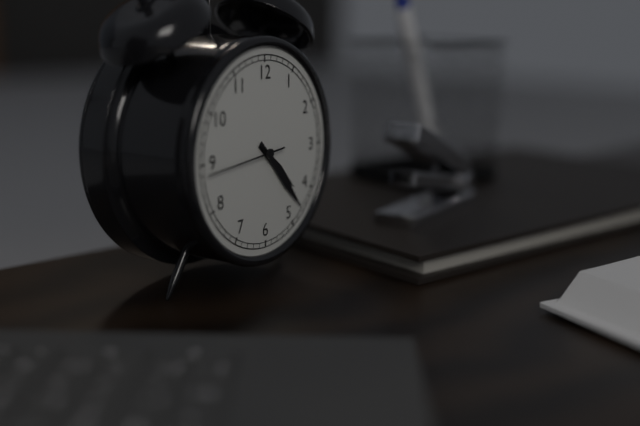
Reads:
{"hour": 4, "minute": 23, "second": 44}
